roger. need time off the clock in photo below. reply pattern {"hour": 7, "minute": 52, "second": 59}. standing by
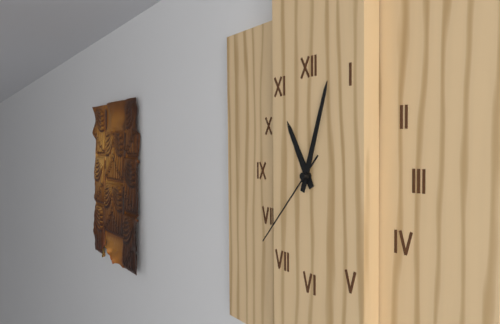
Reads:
{"hour": 11, "minute": 3, "second": 37}
